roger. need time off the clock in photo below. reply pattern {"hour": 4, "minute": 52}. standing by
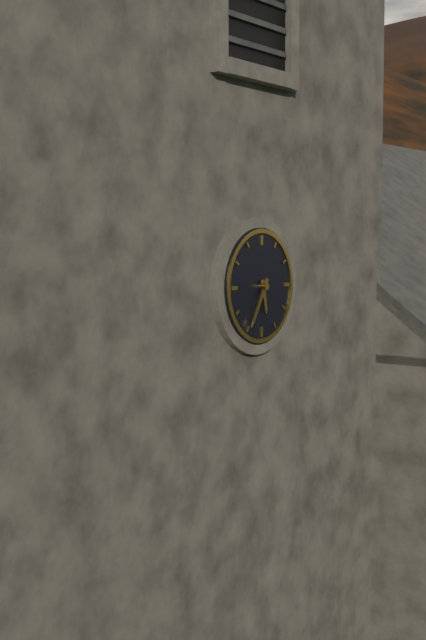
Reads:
{"hour": 5, "minute": 35}
